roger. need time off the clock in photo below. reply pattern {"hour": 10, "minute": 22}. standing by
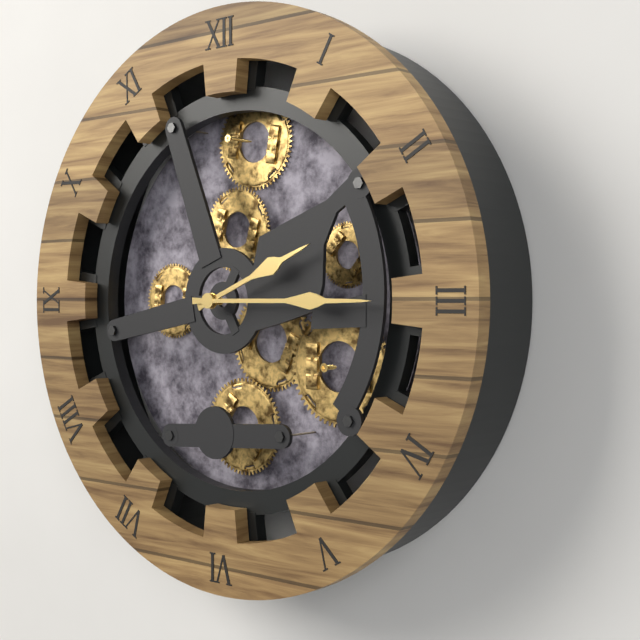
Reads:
{"hour": 2, "minute": 15}
